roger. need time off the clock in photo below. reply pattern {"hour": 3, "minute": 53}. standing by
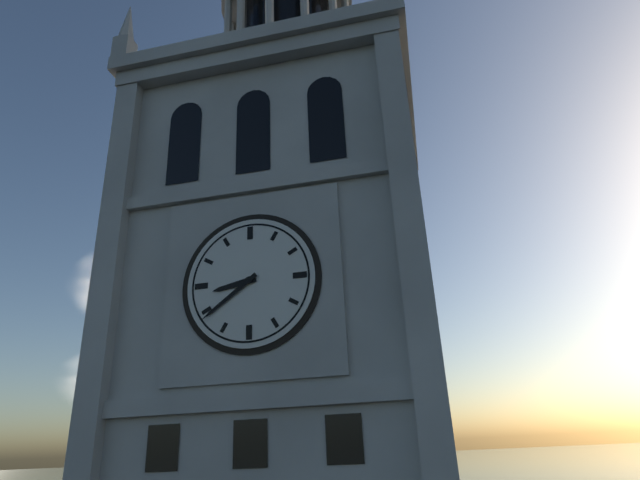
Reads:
{"hour": 8, "minute": 39}
